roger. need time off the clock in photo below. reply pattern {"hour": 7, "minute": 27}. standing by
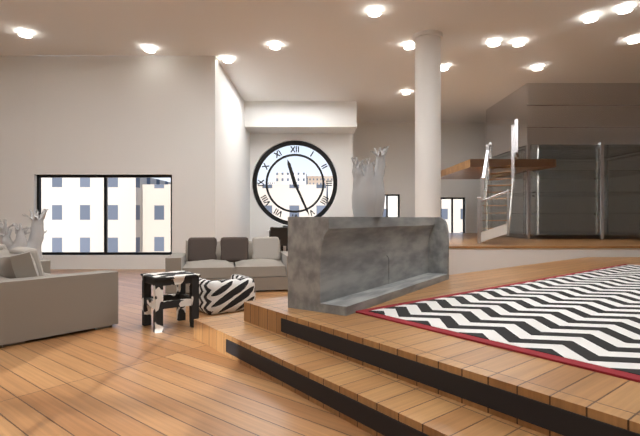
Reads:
{"hour": 11, "minute": 26}
